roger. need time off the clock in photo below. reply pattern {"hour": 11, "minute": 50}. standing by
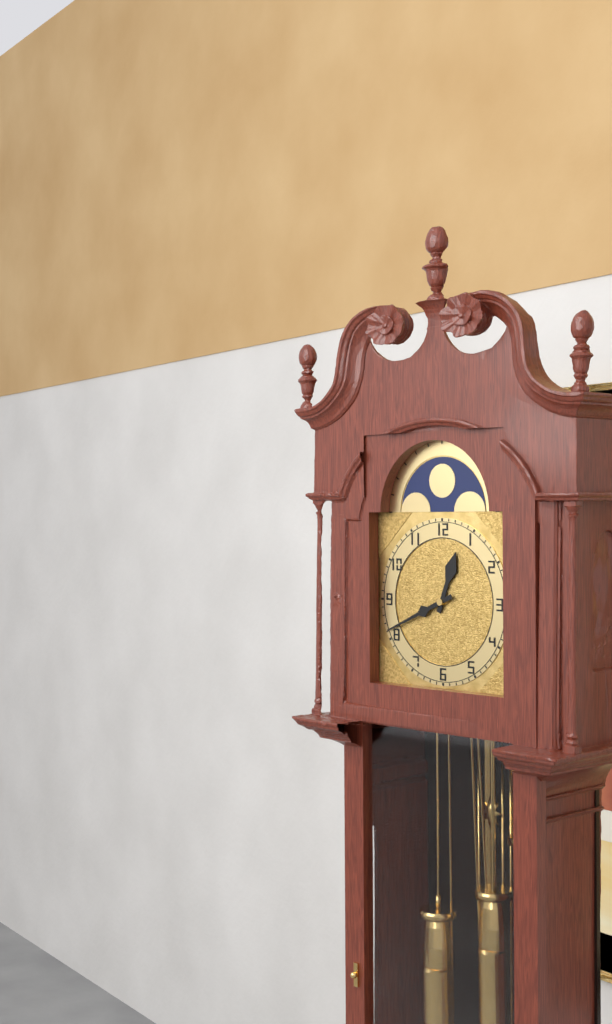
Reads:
{"hour": 12, "minute": 41}
